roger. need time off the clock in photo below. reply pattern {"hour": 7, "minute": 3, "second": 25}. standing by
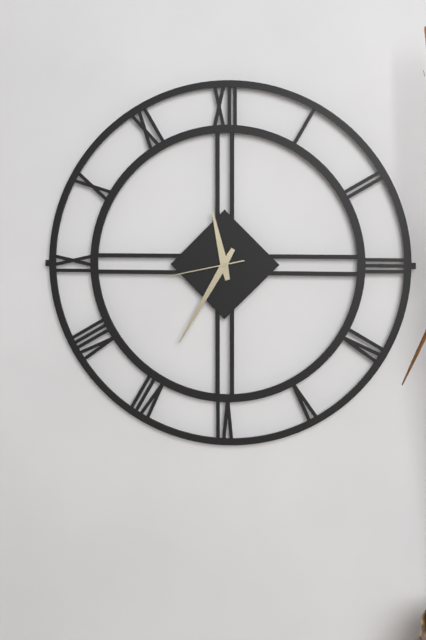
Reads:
{"hour": 11, "minute": 35, "second": 43}
